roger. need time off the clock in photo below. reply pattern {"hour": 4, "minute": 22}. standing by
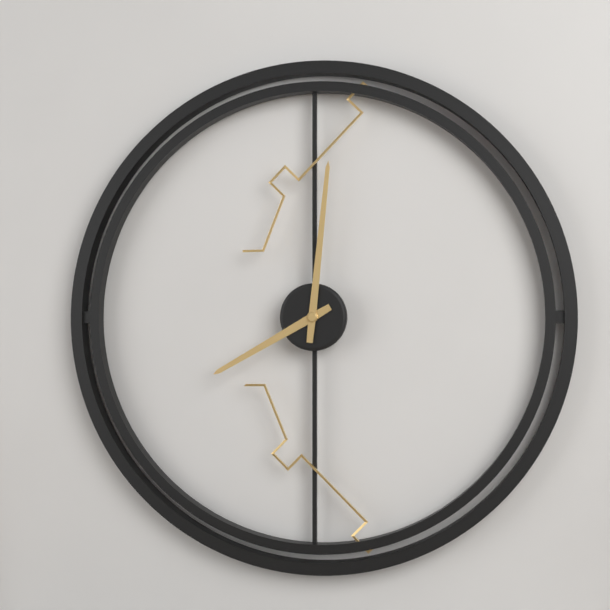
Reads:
{"hour": 8, "minute": 1}
